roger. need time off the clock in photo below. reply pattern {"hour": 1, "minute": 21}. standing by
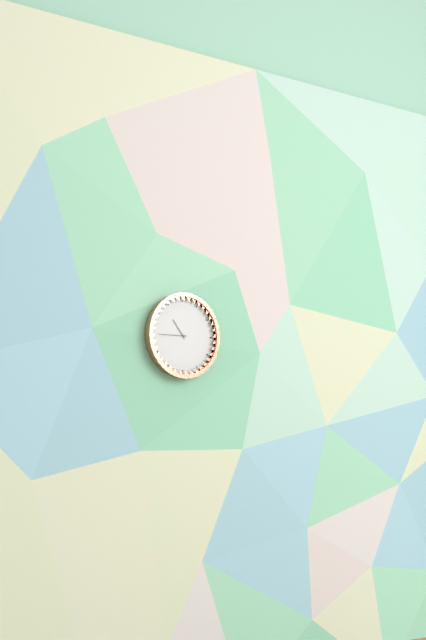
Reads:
{"hour": 10, "minute": 45}
